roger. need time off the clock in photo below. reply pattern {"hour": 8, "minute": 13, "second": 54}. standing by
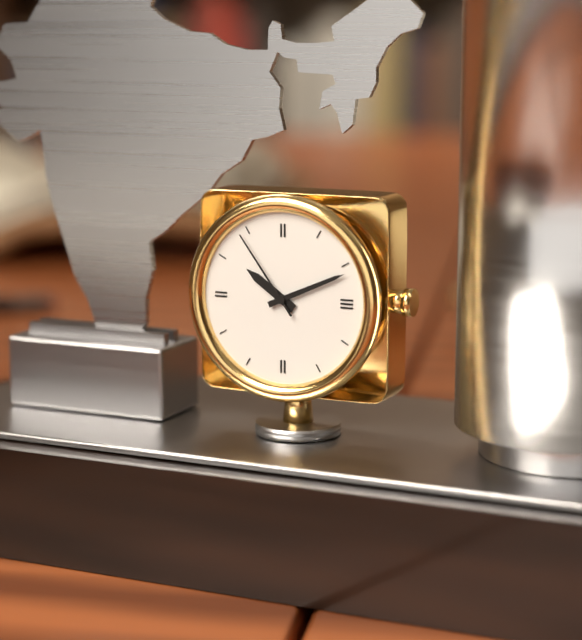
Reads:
{"hour": 10, "minute": 11, "second": 54}
